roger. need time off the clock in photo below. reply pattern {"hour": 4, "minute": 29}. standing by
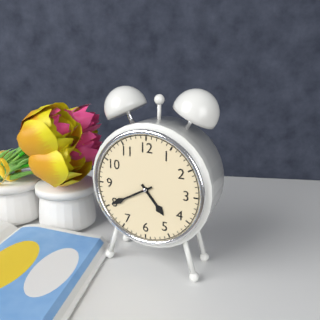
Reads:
{"hour": 4, "minute": 40}
